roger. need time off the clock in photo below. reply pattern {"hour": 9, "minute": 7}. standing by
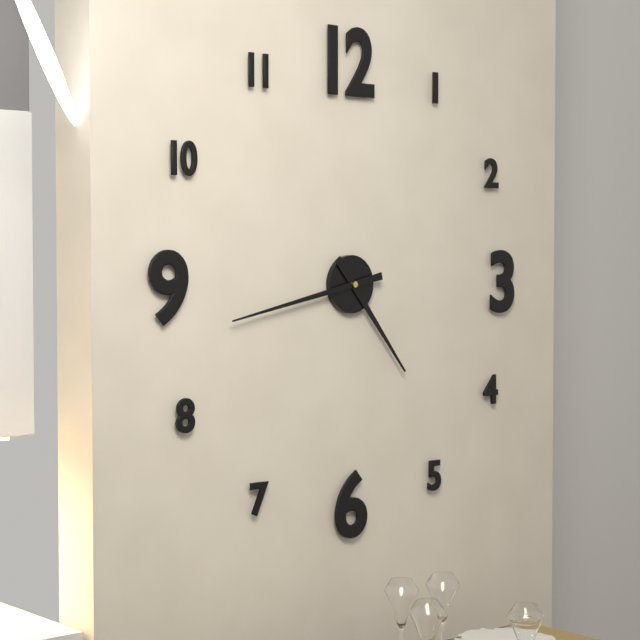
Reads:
{"hour": 4, "minute": 43}
